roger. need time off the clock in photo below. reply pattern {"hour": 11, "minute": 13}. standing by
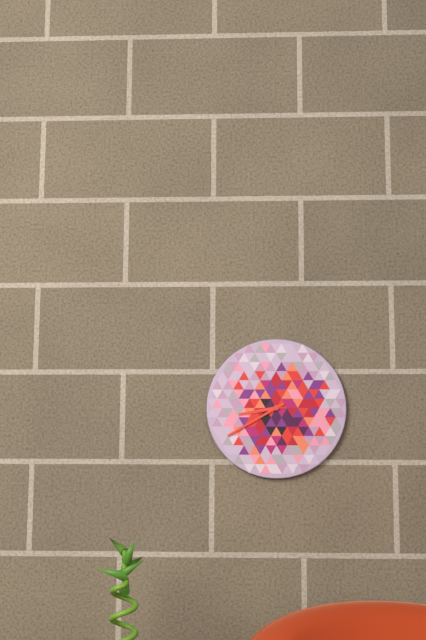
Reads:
{"hour": 8, "minute": 40}
